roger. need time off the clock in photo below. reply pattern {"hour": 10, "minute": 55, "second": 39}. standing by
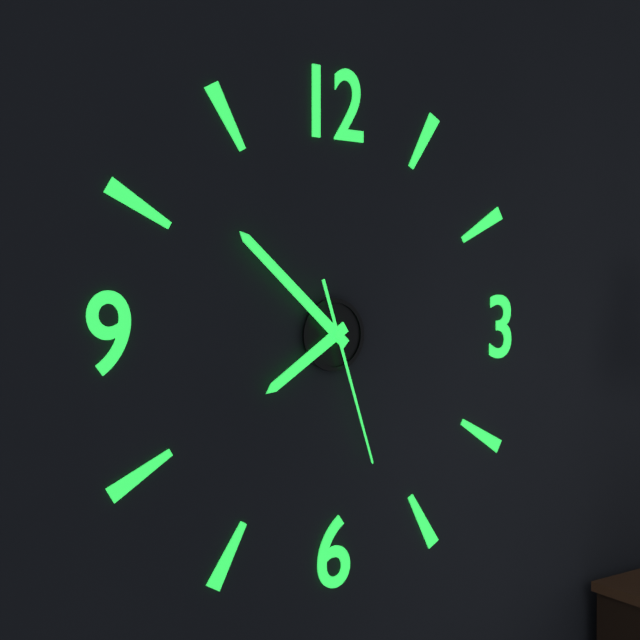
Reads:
{"hour": 7, "minute": 52, "second": 27}
